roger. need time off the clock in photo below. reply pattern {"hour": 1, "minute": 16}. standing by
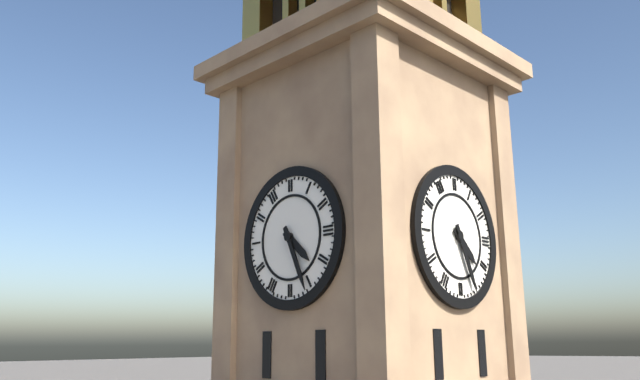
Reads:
{"hour": 4, "minute": 26}
